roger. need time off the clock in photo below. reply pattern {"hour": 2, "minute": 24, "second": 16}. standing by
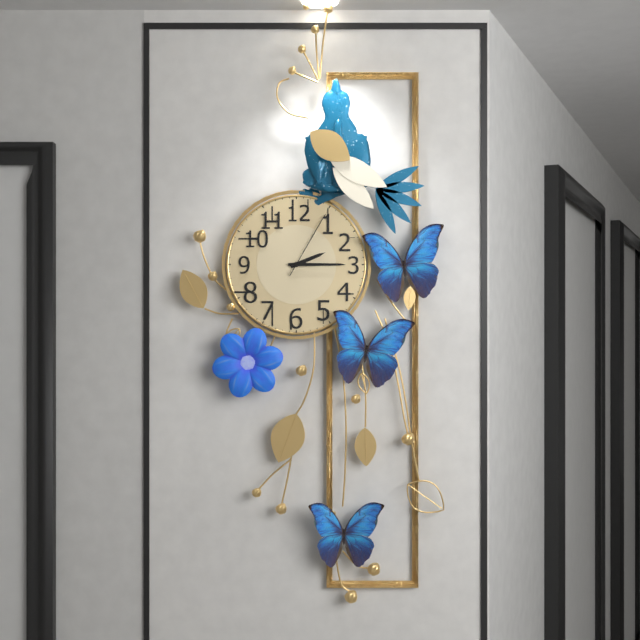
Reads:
{"hour": 2, "minute": 15, "second": 5}
